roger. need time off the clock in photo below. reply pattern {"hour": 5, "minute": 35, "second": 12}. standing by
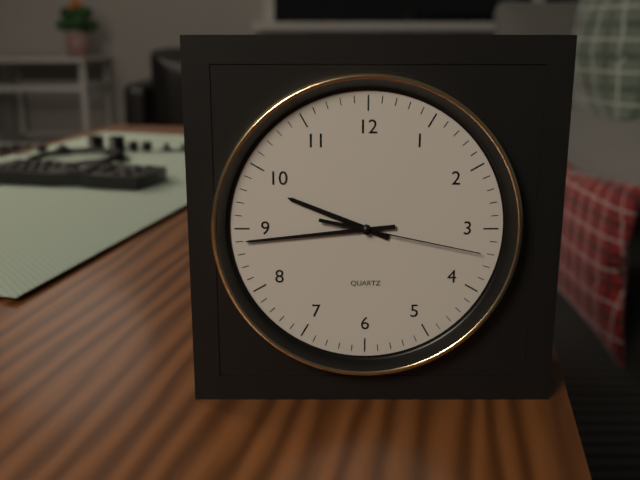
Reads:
{"hour": 9, "minute": 44, "second": 17}
